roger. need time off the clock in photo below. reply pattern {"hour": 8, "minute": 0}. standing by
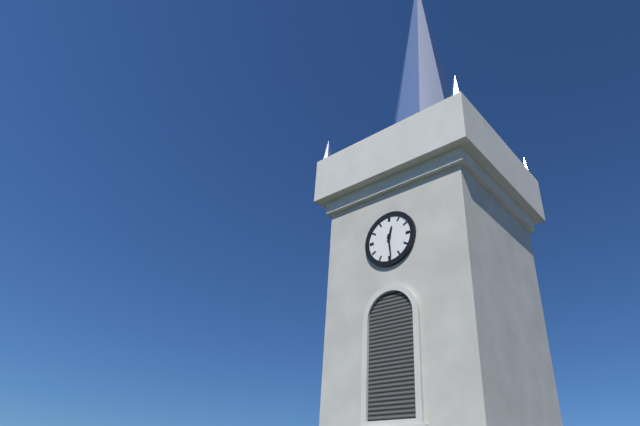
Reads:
{"hour": 12, "minute": 29}
